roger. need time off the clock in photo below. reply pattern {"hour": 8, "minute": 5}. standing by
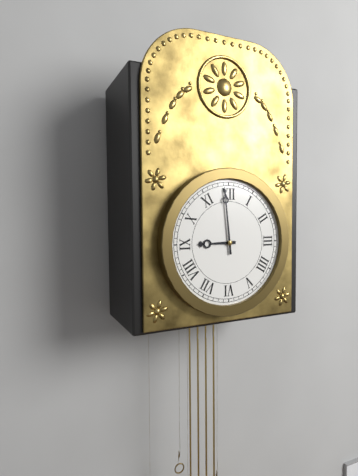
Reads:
{"hour": 8, "minute": 59}
